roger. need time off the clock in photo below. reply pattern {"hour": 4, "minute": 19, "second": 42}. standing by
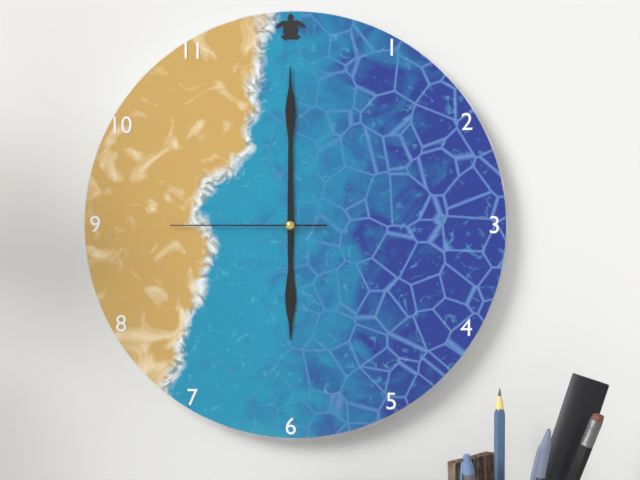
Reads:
{"hour": 6, "minute": 0, "second": 45}
